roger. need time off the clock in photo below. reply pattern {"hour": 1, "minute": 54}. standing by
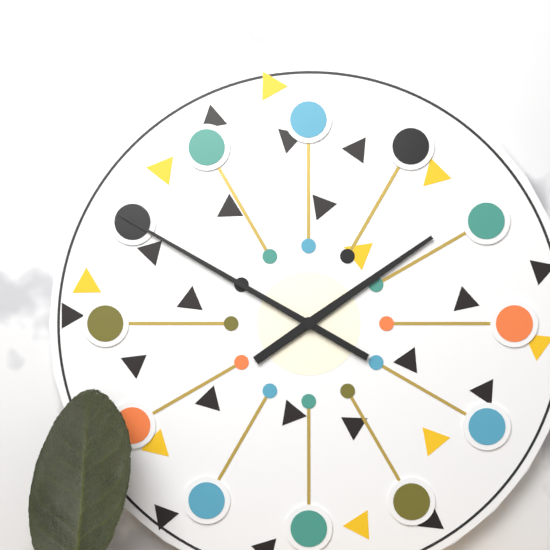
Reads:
{"hour": 1, "minute": 50}
